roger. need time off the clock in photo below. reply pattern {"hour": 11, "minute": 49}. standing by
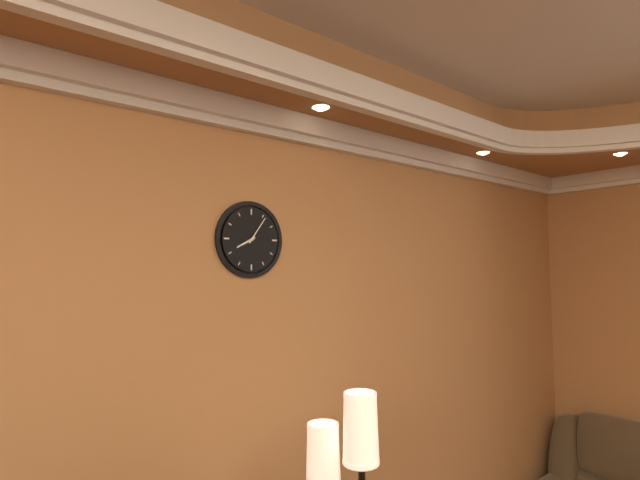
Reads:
{"hour": 8, "minute": 6}
